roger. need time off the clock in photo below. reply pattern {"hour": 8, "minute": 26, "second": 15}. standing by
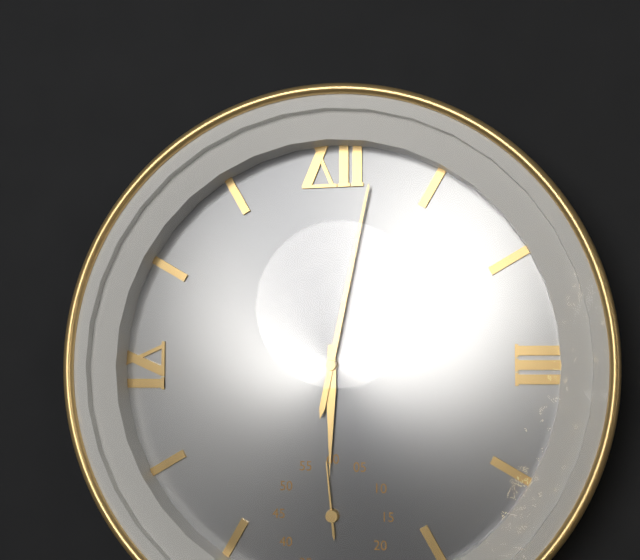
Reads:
{"hour": 6, "minute": 2, "second": 59}
